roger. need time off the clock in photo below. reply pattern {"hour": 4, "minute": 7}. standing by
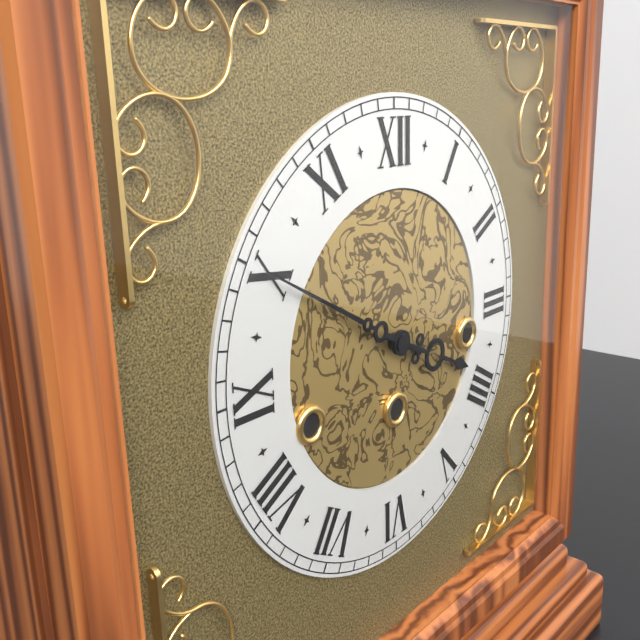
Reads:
{"hour": 3, "minute": 50}
